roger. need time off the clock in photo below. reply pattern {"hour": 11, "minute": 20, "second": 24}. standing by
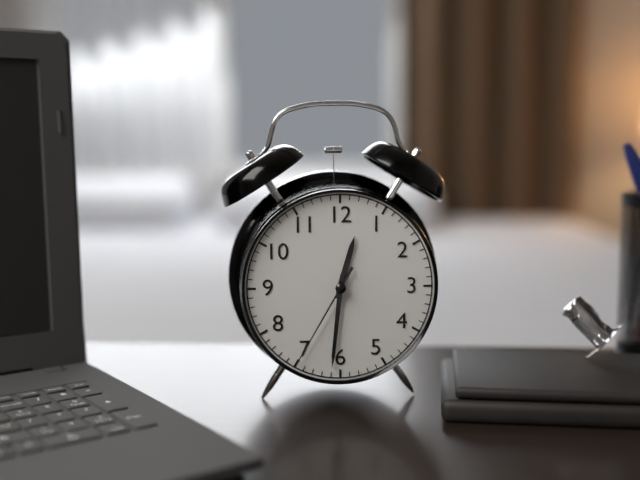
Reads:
{"hour": 12, "minute": 31, "second": 35}
